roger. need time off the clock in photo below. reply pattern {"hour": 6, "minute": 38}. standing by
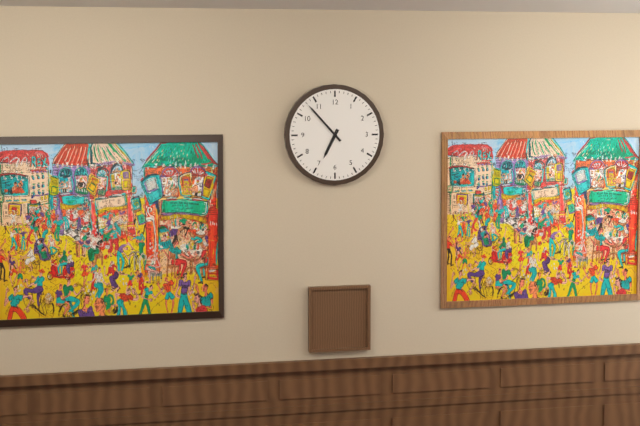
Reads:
{"hour": 6, "minute": 53}
